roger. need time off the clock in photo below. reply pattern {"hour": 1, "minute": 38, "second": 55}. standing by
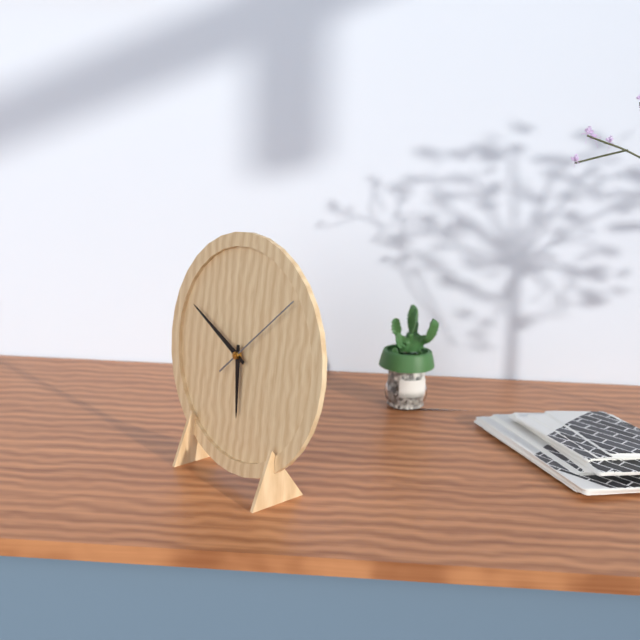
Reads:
{"hour": 5, "minute": 49, "second": 8}
